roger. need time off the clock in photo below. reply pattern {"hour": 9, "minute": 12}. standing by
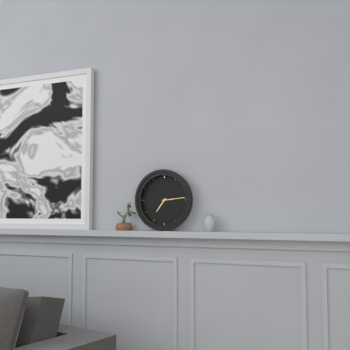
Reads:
{"hour": 7, "minute": 14}
